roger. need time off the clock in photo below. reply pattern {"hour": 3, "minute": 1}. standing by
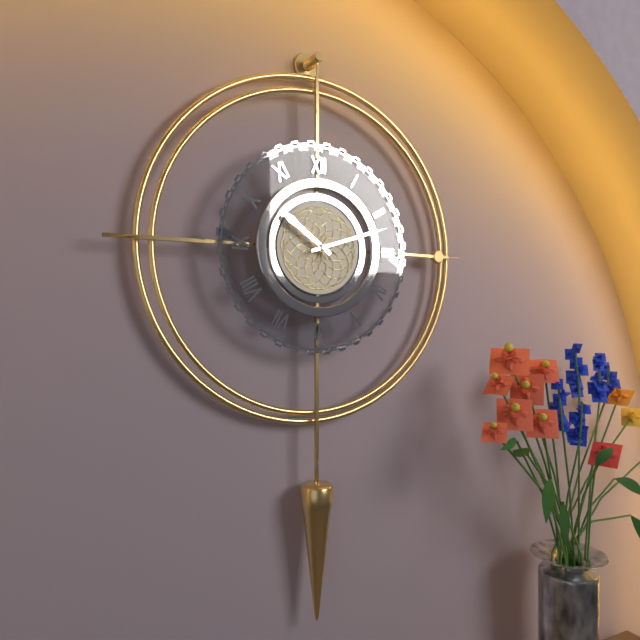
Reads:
{"hour": 10, "minute": 12}
